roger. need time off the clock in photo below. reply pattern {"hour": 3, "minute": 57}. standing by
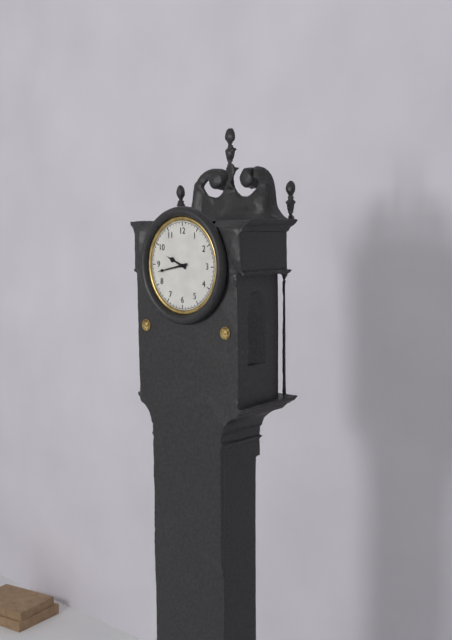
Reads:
{"hour": 9, "minute": 43}
